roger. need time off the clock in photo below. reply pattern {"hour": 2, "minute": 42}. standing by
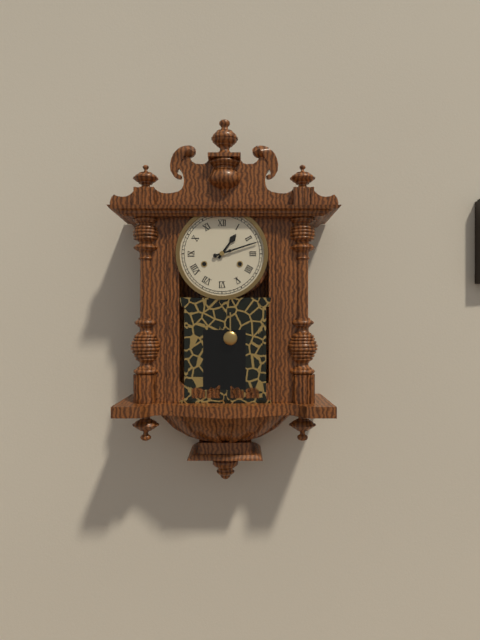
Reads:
{"hour": 1, "minute": 12}
